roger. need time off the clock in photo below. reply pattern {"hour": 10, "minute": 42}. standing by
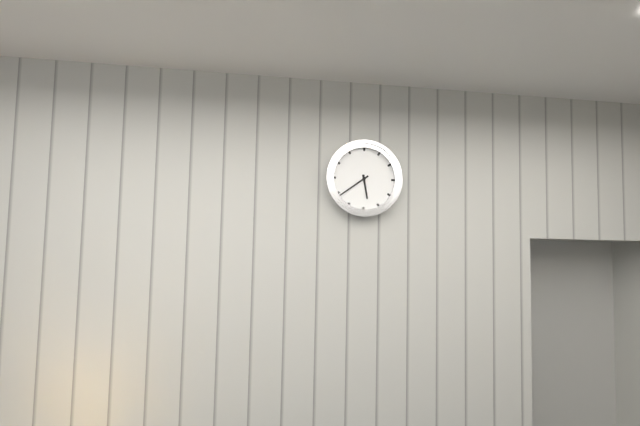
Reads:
{"hour": 5, "minute": 39}
